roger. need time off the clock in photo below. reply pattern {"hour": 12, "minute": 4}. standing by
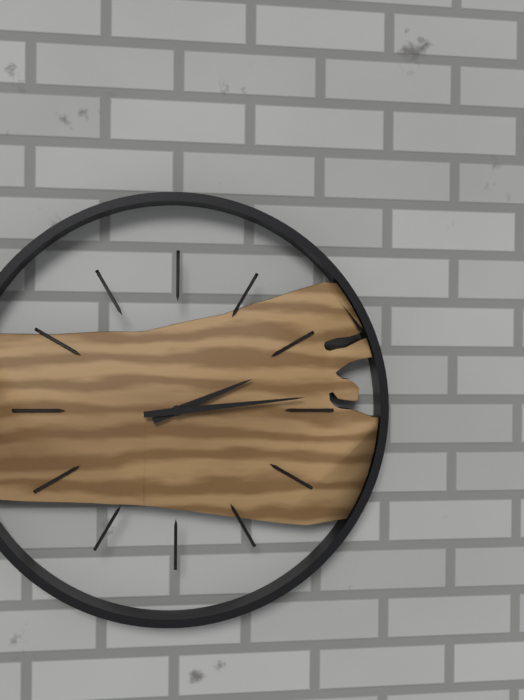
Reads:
{"hour": 2, "minute": 14}
